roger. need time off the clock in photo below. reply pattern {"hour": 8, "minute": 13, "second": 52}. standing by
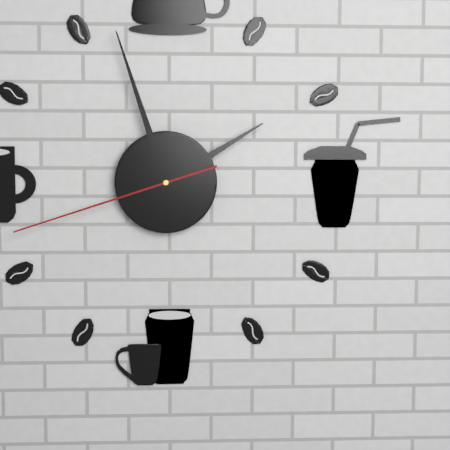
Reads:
{"hour": 1, "minute": 57, "second": 42}
